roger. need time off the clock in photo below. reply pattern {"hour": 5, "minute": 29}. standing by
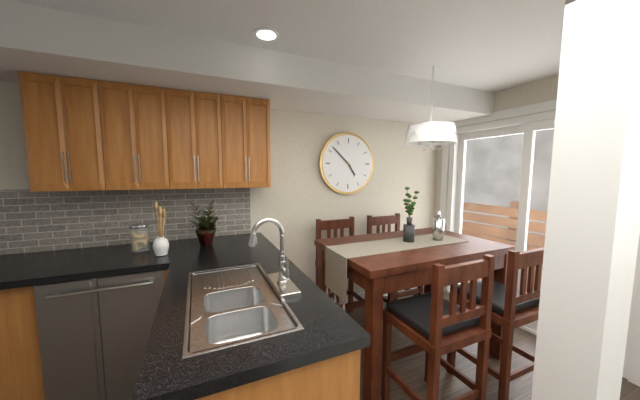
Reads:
{"hour": 4, "minute": 52}
